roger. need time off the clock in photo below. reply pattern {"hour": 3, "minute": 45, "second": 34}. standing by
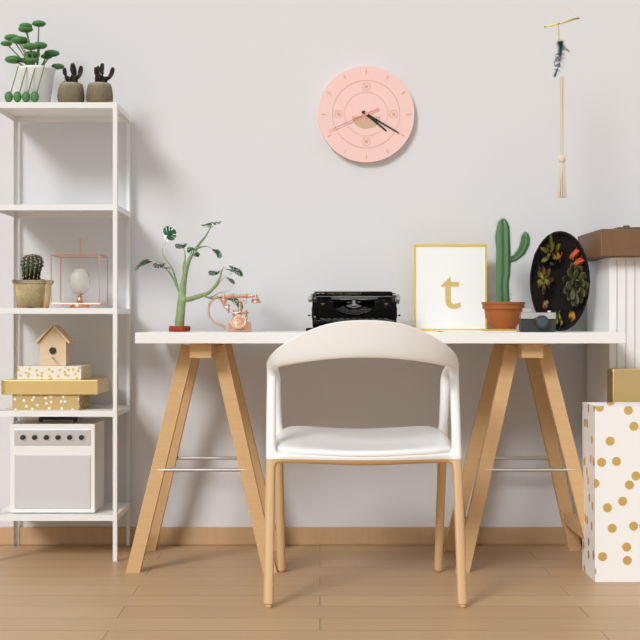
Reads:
{"hour": 4, "minute": 20, "second": 41}
